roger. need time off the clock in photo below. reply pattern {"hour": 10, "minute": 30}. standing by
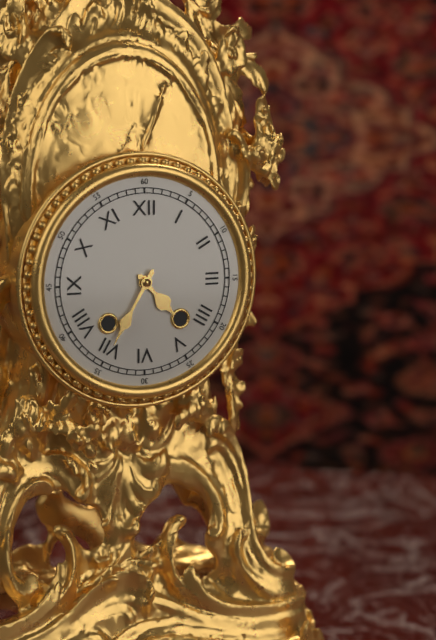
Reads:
{"hour": 4, "minute": 35}
